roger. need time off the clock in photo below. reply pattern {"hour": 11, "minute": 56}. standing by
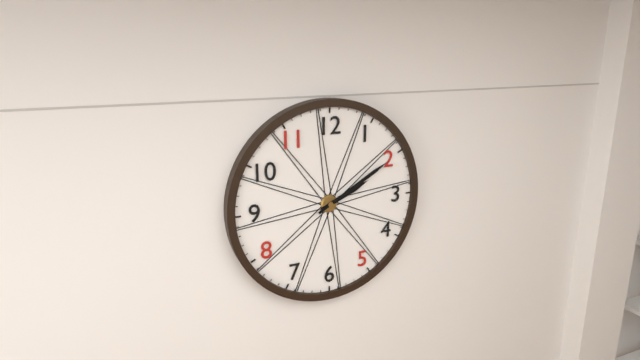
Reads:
{"hour": 2, "minute": 10}
